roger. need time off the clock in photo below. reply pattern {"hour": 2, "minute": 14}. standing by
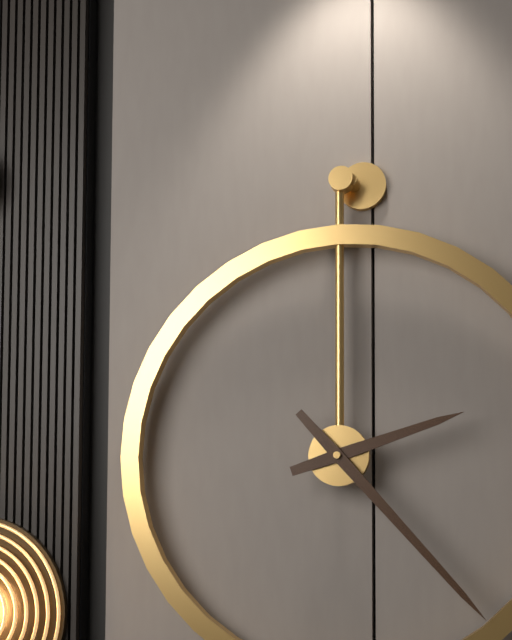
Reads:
{"hour": 2, "minute": 23}
